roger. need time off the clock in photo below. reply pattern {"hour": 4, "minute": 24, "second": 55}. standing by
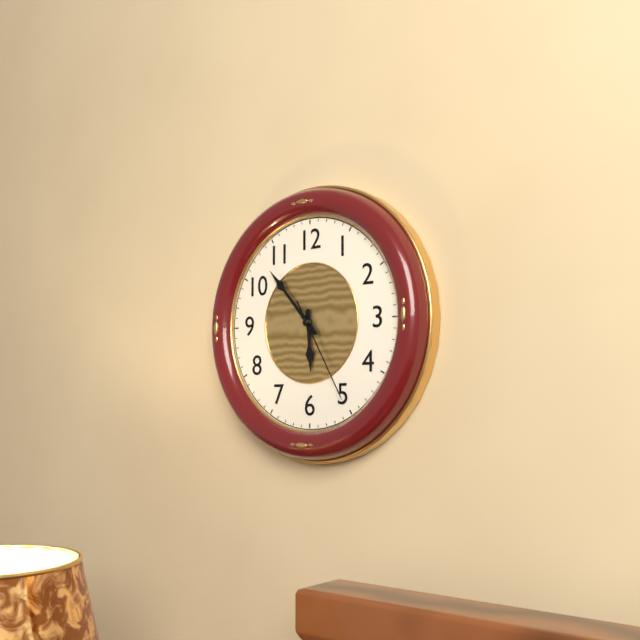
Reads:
{"hour": 5, "minute": 53, "second": 25}
